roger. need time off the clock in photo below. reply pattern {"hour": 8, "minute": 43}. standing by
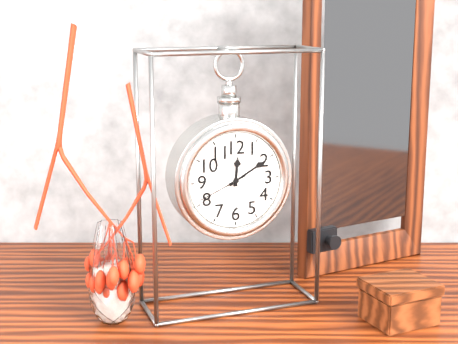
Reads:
{"hour": 12, "minute": 10}
